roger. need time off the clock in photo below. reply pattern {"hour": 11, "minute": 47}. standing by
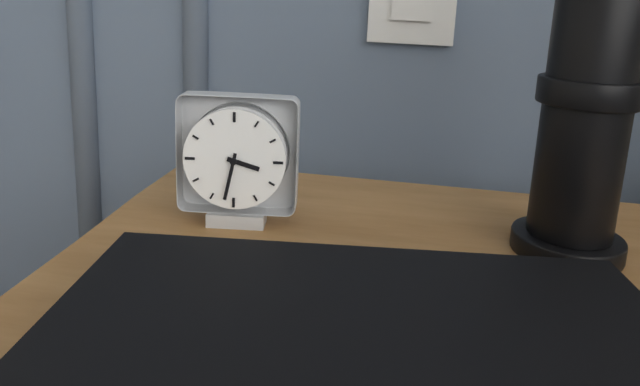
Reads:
{"hour": 3, "minute": 32}
